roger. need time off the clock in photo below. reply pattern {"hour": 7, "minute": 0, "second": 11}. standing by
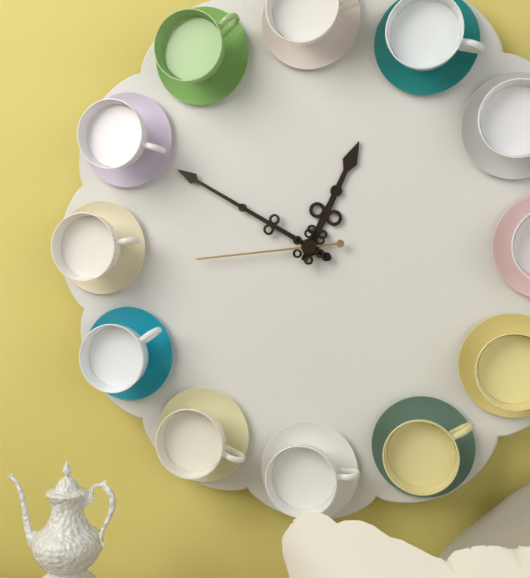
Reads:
{"hour": 12, "minute": 50, "second": 44}
